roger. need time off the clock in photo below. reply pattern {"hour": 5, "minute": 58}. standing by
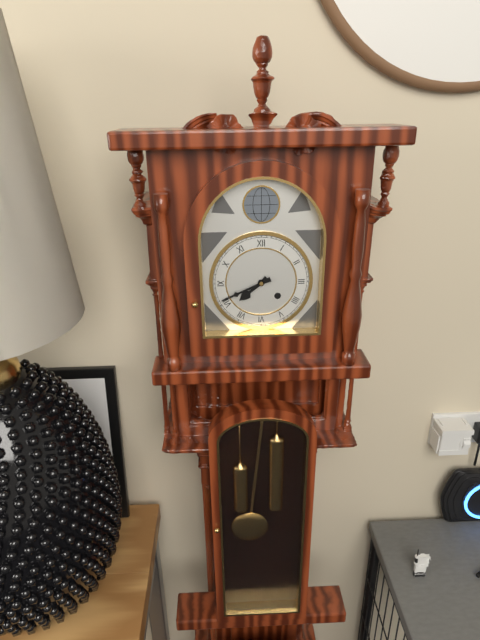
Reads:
{"hour": 7, "minute": 41}
